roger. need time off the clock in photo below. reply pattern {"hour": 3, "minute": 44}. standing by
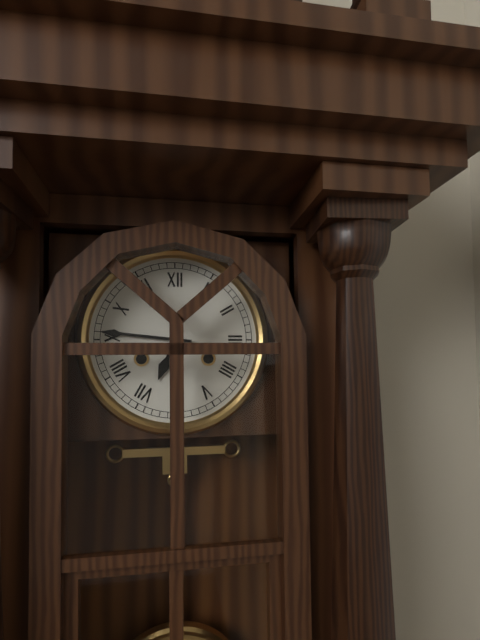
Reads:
{"hour": 6, "minute": 46}
